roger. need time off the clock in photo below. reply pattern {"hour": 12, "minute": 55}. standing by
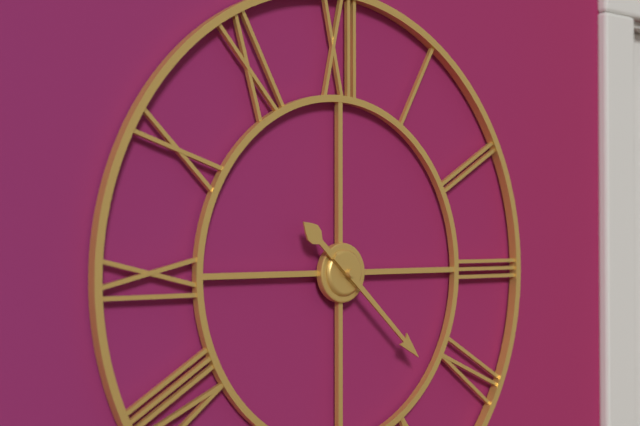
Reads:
{"hour": 10, "minute": 22}
